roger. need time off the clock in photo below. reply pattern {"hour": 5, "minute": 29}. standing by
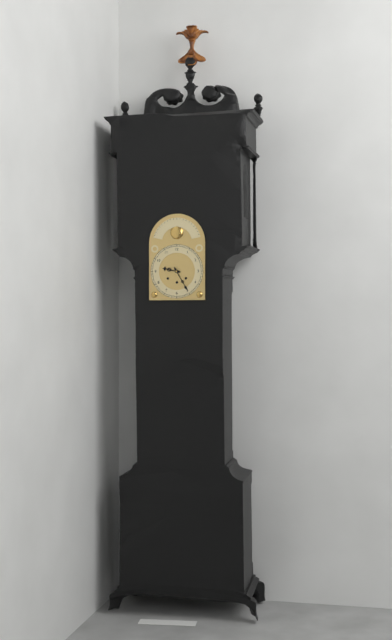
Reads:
{"hour": 9, "minute": 25}
